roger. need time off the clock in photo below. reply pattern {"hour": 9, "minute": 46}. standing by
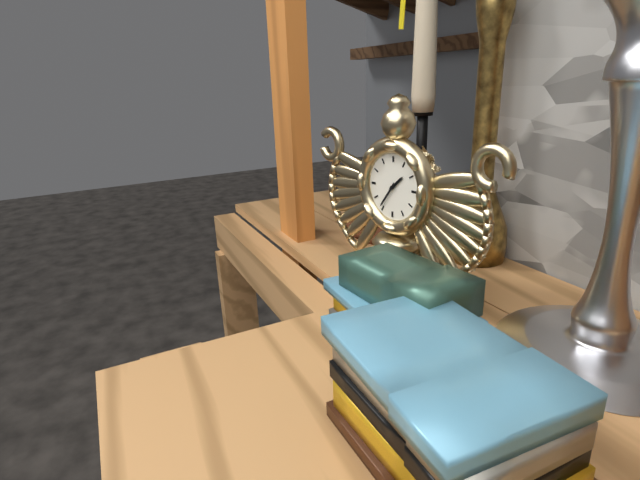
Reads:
{"hour": 1, "minute": 36}
